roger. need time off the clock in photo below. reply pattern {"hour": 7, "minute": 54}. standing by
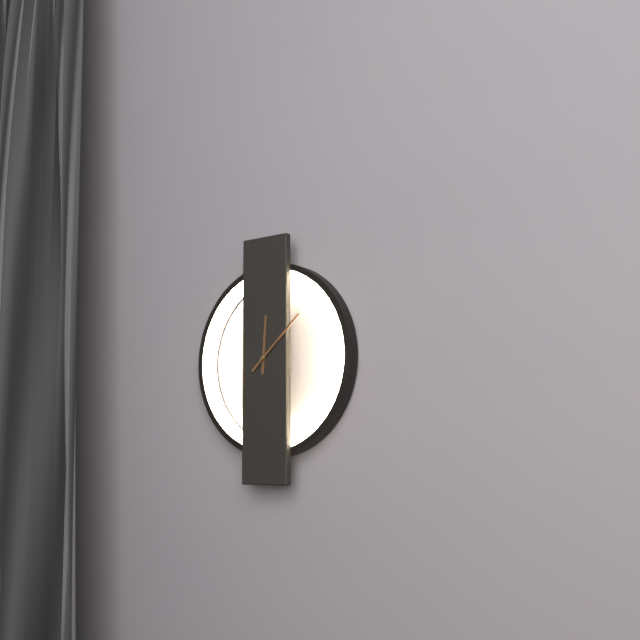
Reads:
{"hour": 12, "minute": 8}
